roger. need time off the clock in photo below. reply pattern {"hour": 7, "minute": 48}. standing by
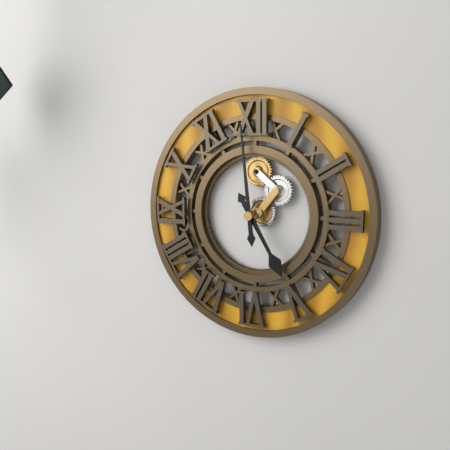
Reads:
{"hour": 4, "minute": 59}
